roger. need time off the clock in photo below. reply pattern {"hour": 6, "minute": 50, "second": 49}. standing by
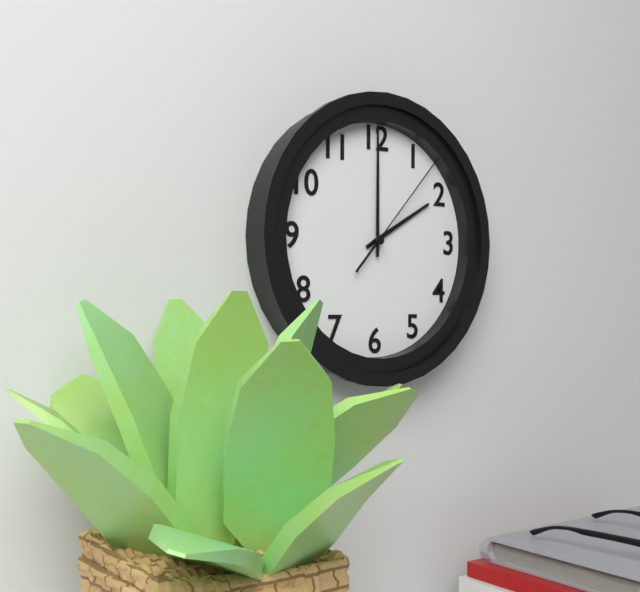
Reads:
{"hour": 2, "minute": 0, "second": 7}
